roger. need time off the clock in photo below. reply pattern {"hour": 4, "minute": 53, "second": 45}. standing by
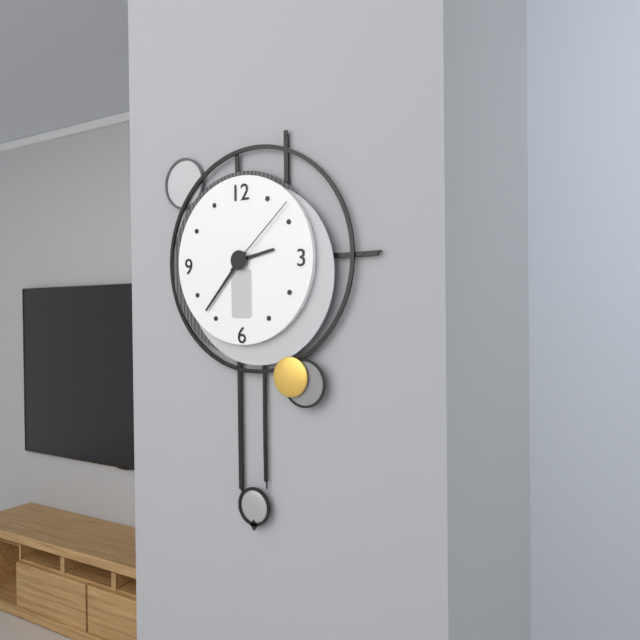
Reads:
{"hour": 2, "minute": 37, "second": 8}
